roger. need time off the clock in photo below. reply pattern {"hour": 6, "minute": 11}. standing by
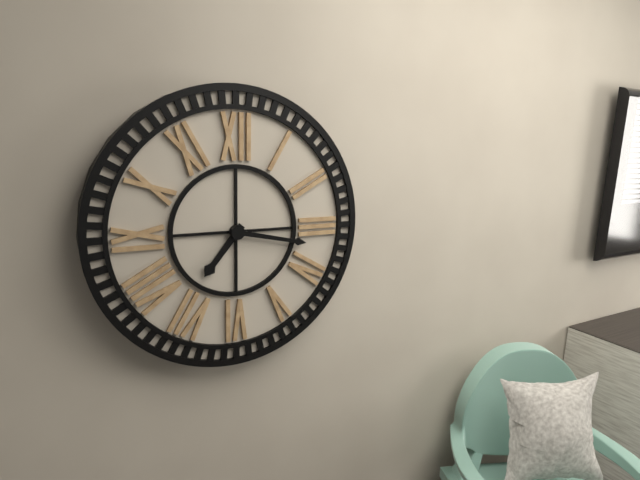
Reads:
{"hour": 7, "minute": 17}
